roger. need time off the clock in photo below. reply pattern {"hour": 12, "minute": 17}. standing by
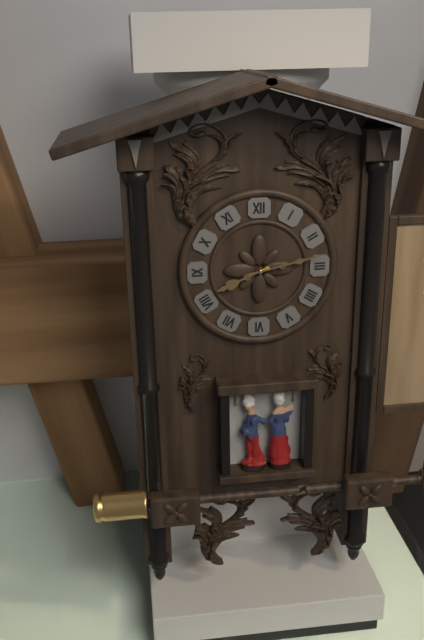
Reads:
{"hour": 8, "minute": 13}
